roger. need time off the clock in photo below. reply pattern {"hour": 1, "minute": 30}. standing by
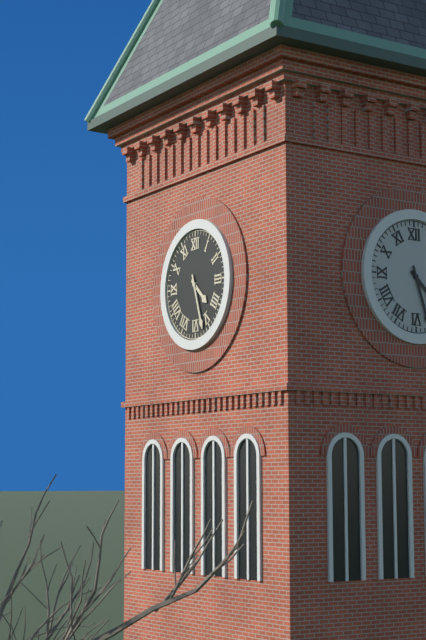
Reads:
{"hour": 4, "minute": 27}
